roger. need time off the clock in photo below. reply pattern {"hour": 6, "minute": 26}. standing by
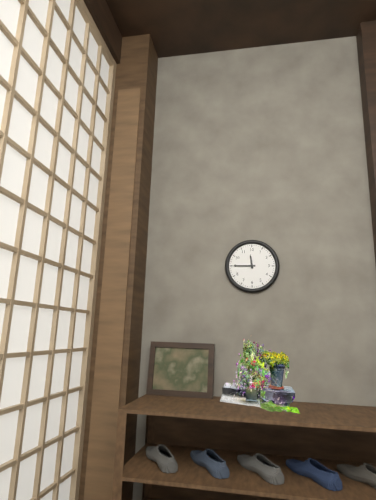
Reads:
{"hour": 11, "minute": 45}
